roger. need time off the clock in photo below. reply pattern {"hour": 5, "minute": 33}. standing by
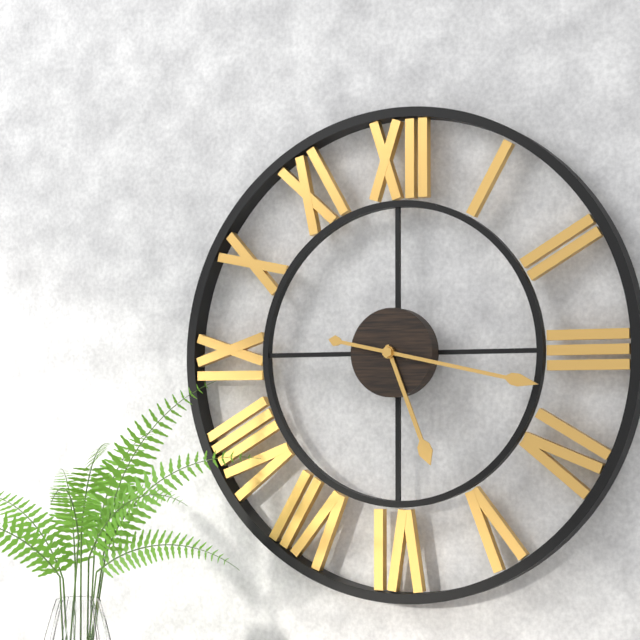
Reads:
{"hour": 5, "minute": 17}
